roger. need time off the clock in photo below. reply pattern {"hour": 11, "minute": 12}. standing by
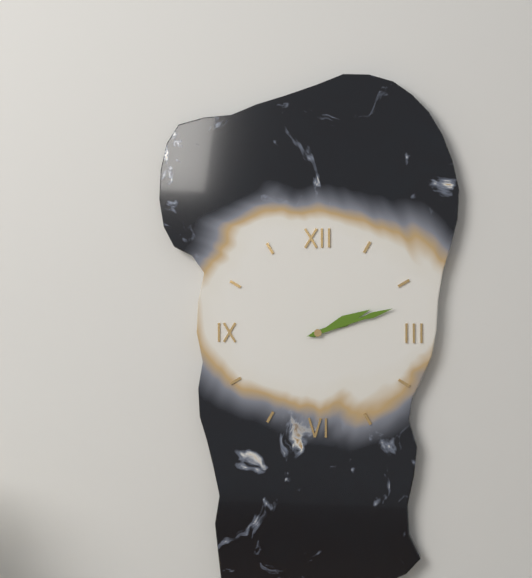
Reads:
{"hour": 2, "minute": 12}
